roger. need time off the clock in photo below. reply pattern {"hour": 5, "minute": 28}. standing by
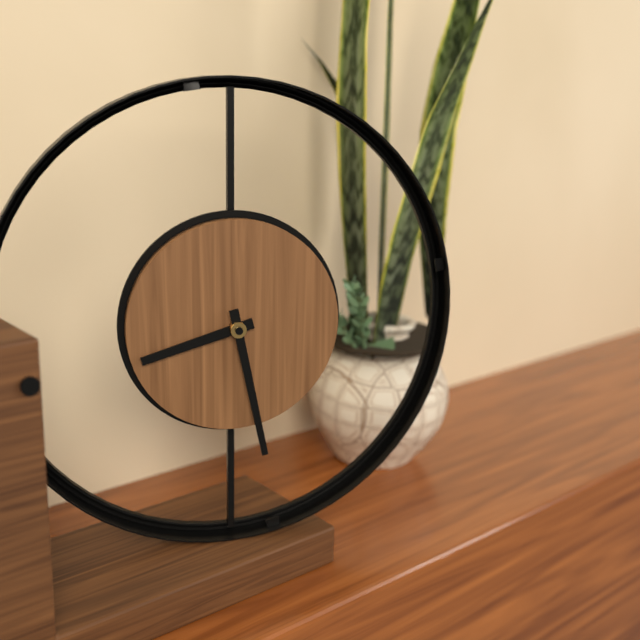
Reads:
{"hour": 8, "minute": 28}
